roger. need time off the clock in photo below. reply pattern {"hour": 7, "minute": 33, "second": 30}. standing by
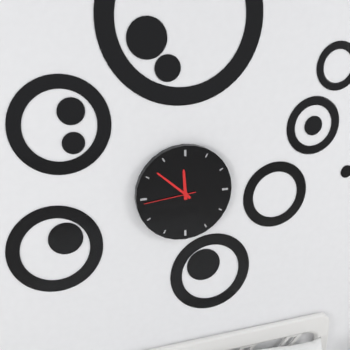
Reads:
{"hour": 11, "minute": 52, "second": 44}
